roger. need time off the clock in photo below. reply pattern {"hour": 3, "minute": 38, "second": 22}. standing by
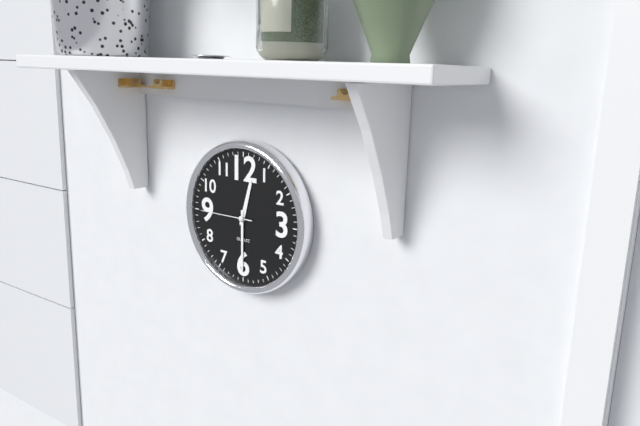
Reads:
{"hour": 12, "minute": 30, "second": 45}
